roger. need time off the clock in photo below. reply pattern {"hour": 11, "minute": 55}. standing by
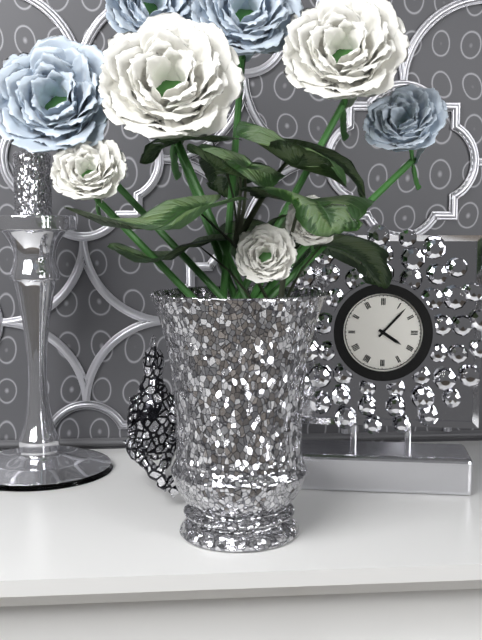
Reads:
{"hour": 4, "minute": 7}
